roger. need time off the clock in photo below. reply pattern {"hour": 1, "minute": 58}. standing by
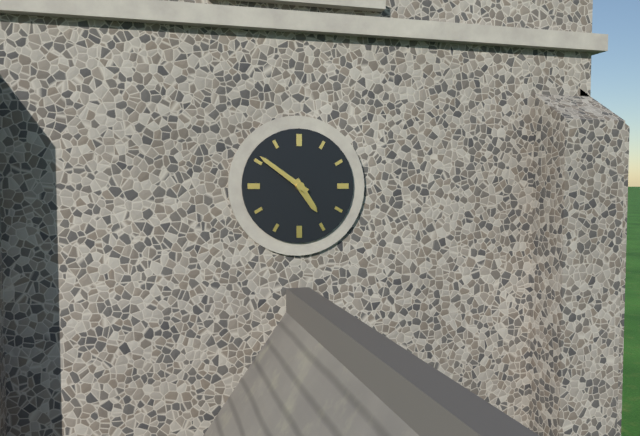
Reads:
{"hour": 4, "minute": 51}
